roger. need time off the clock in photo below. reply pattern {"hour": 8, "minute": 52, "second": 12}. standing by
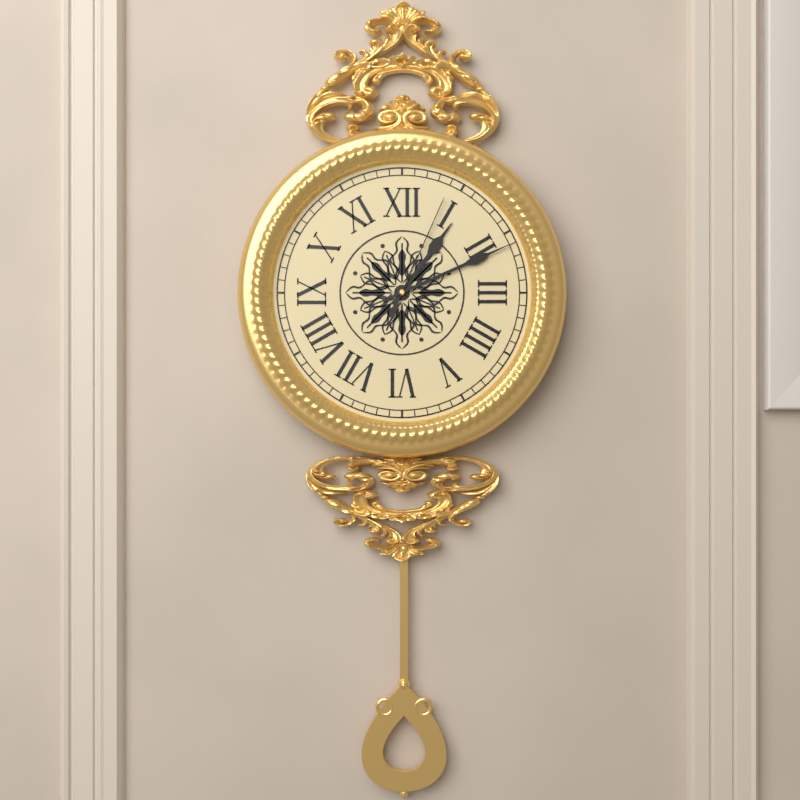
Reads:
{"hour": 1, "minute": 11, "second": 4}
